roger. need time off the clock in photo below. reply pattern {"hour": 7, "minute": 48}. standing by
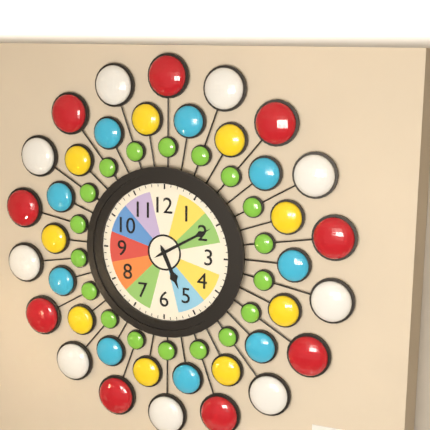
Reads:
{"hour": 5, "minute": 10}
